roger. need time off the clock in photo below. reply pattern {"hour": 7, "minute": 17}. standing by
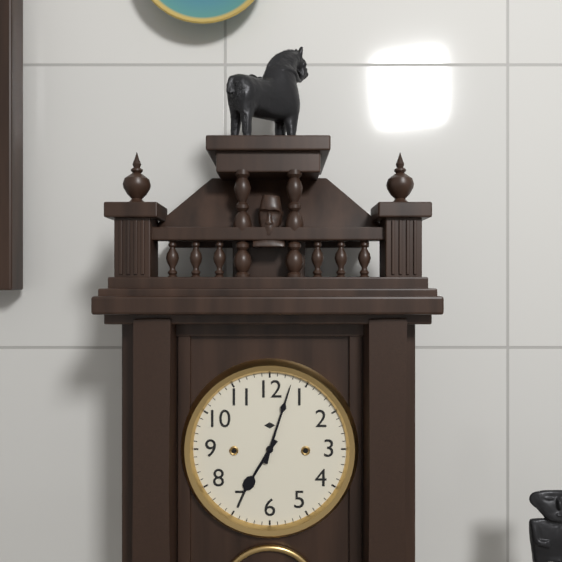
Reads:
{"hour": 7, "minute": 3}
